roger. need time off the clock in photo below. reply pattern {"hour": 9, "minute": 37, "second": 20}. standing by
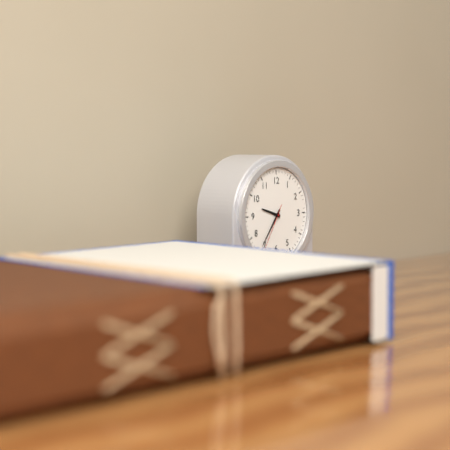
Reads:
{"hour": 9, "minute": 36, "second": 35}
